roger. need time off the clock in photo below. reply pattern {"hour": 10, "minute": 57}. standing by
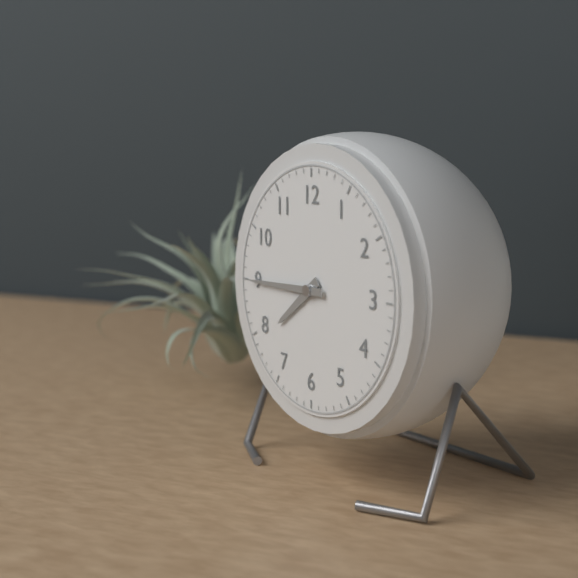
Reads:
{"hour": 7, "minute": 45}
